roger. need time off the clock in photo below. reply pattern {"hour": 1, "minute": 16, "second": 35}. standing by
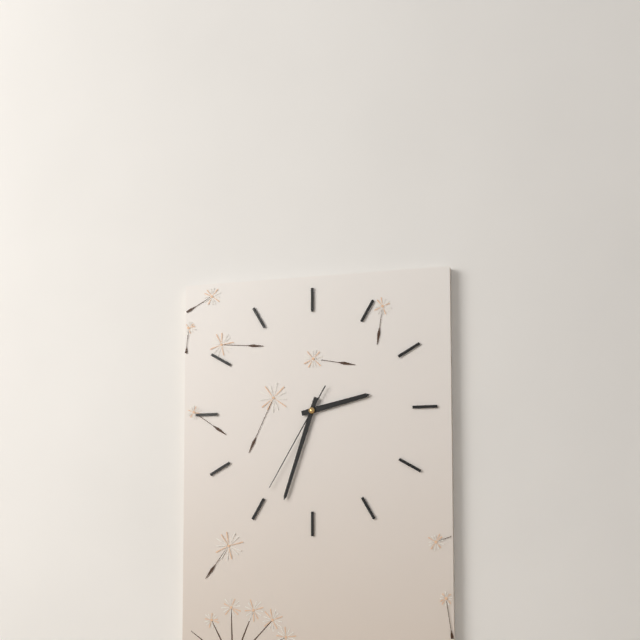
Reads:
{"hour": 2, "minute": 33, "second": 35}
